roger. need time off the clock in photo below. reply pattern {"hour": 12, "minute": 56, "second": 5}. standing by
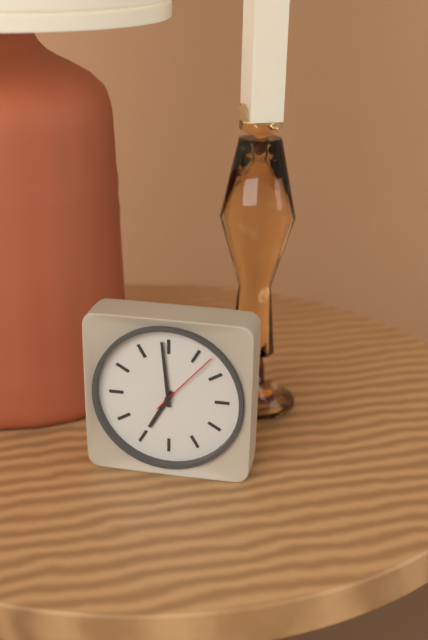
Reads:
{"hour": 6, "minute": 59, "second": 7}
